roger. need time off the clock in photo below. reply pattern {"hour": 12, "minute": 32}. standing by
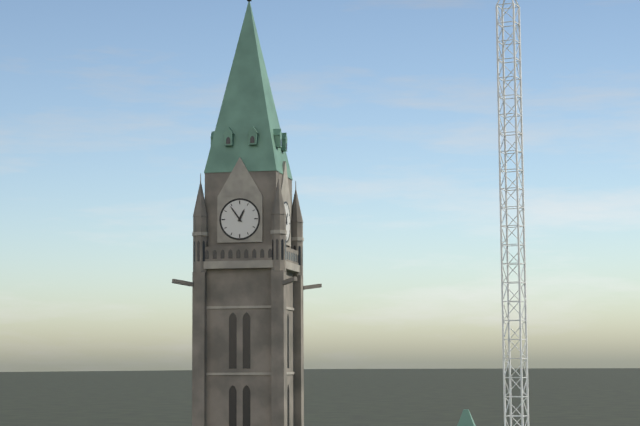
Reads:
{"hour": 12, "minute": 54}
